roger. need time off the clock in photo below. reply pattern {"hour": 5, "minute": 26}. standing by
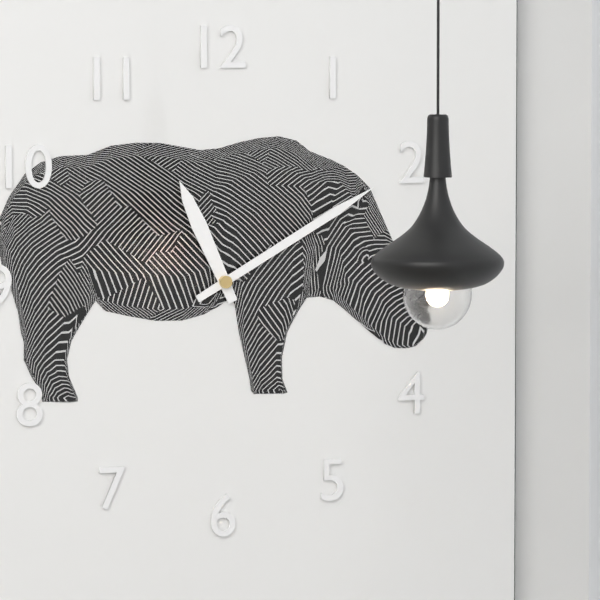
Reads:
{"hour": 11, "minute": 10}
